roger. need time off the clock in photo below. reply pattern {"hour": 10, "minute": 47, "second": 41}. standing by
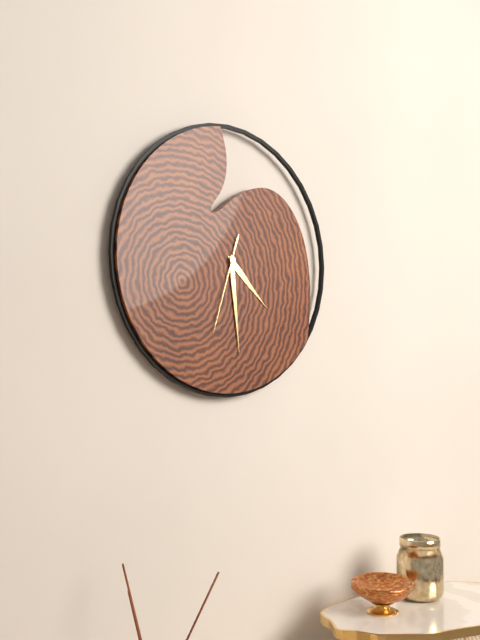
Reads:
{"hour": 4, "minute": 29, "second": 33}
